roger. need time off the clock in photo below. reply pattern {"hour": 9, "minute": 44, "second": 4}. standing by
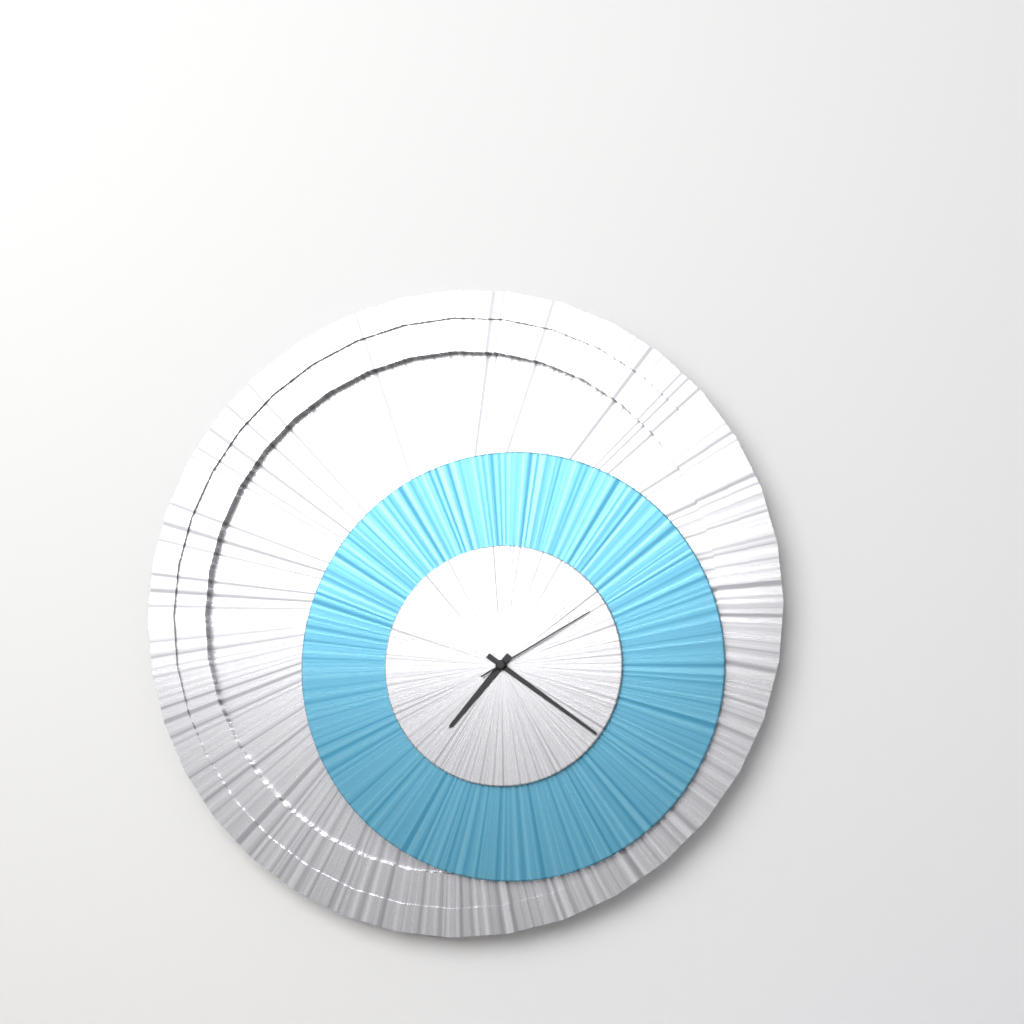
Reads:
{"hour": 7, "minute": 21, "second": 10}
